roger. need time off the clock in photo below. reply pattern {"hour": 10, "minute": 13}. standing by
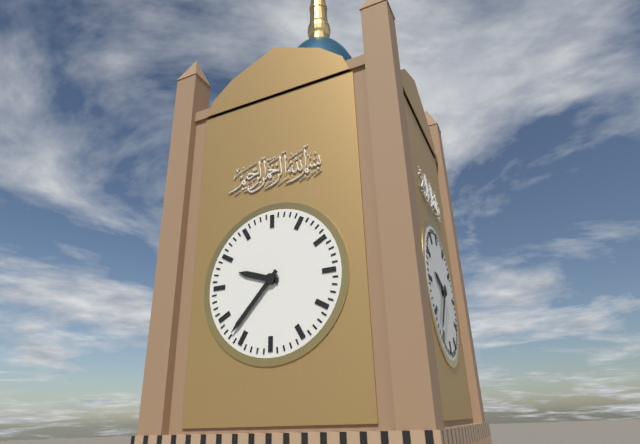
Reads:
{"hour": 9, "minute": 37}
